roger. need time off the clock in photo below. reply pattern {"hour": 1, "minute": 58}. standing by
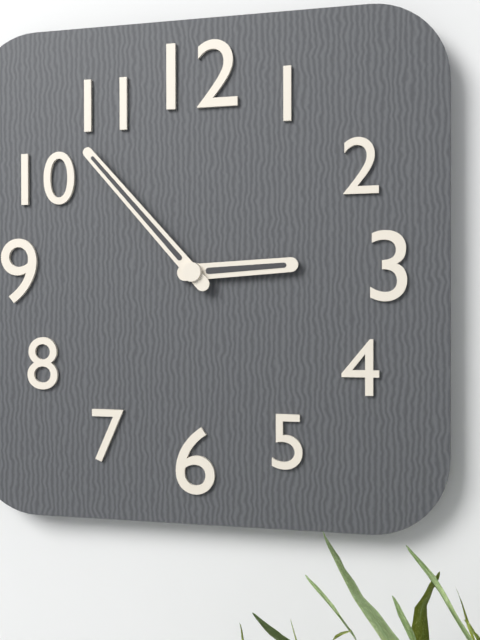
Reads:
{"hour": 2, "minute": 53}
